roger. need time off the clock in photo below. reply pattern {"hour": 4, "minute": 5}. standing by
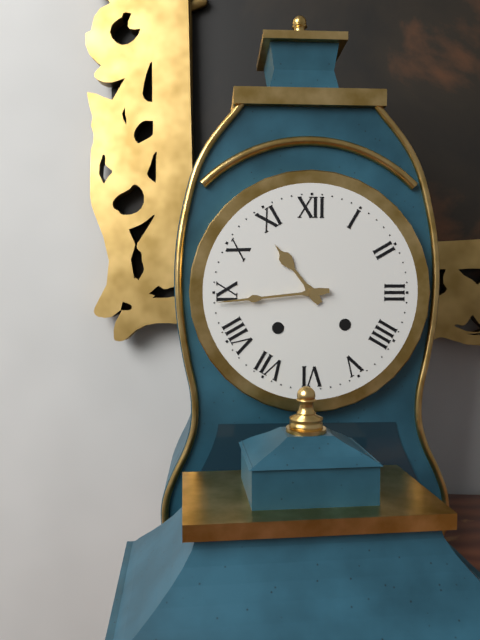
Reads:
{"hour": 10, "minute": 44}
